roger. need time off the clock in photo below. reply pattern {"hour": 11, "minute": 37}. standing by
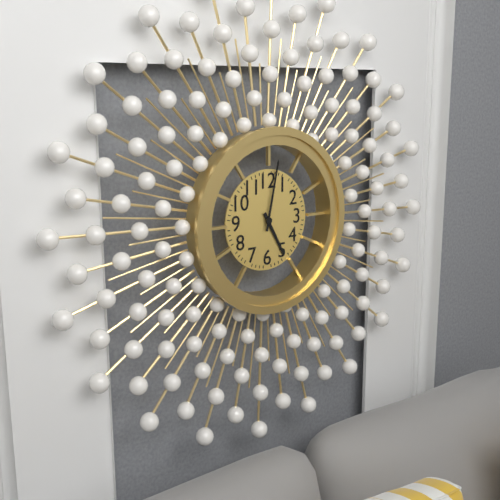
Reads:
{"hour": 5, "minute": 2}
